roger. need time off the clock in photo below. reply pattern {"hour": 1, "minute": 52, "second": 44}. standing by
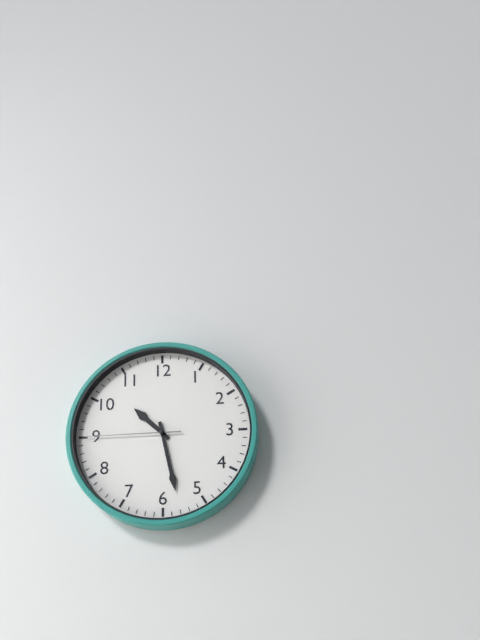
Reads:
{"hour": 10, "minute": 28, "second": 45}
